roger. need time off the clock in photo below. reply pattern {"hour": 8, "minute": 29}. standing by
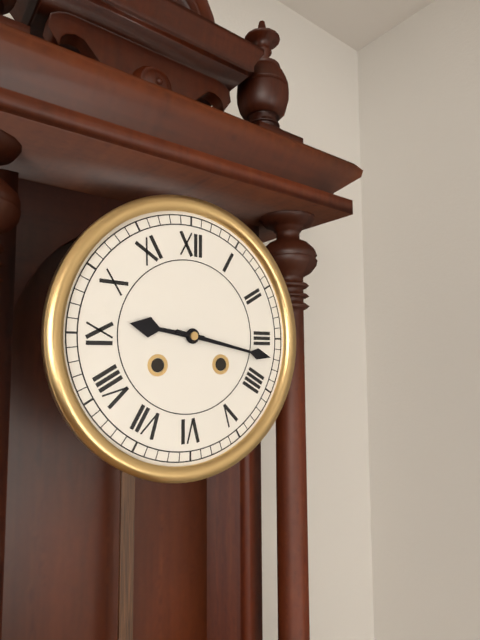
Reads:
{"hour": 9, "minute": 17}
